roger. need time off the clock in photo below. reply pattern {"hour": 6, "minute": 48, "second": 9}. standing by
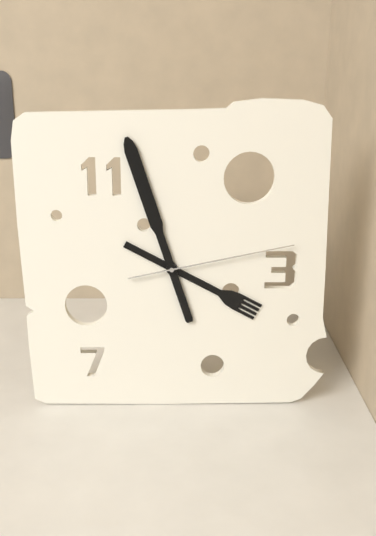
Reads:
{"hour": 3, "minute": 57, "second": 13}
